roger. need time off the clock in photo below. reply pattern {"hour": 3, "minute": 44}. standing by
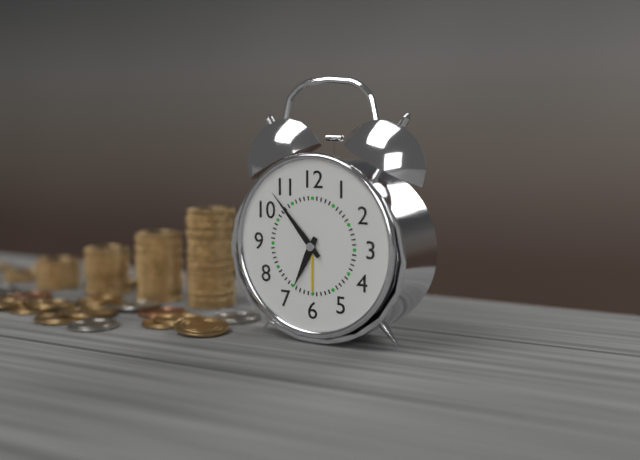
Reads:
{"hour": 6, "minute": 53}
